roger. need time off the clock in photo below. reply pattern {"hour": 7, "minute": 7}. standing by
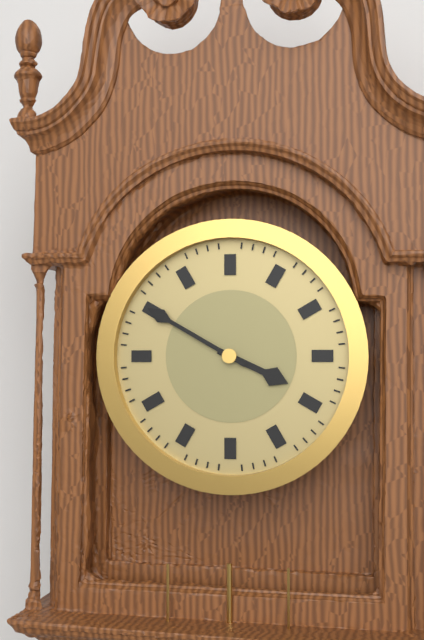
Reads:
{"hour": 3, "minute": 50}
